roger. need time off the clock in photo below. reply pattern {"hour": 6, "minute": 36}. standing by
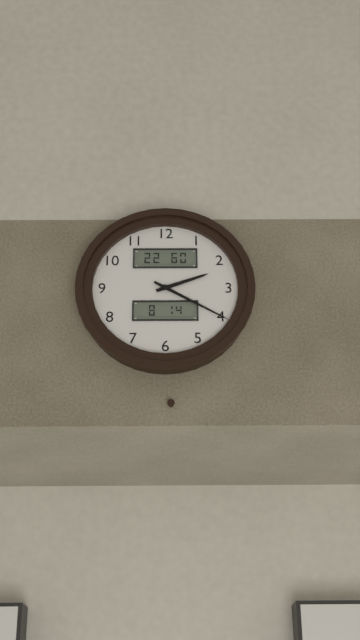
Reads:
{"hour": 2, "minute": 20}
